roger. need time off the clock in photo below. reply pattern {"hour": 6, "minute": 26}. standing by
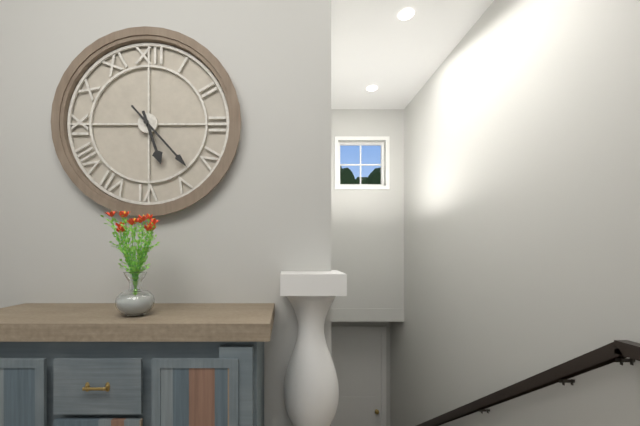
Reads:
{"hour": 5, "minute": 23}
